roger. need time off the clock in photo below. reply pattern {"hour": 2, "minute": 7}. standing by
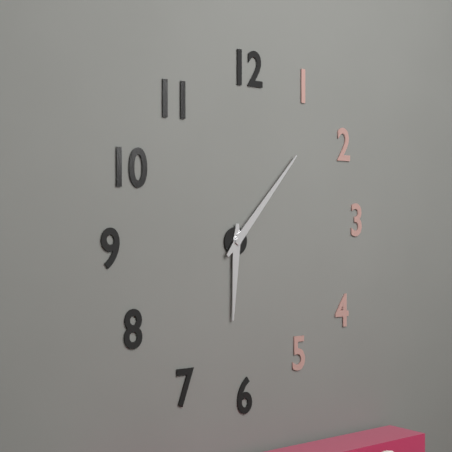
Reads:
{"hour": 6, "minute": 7}
